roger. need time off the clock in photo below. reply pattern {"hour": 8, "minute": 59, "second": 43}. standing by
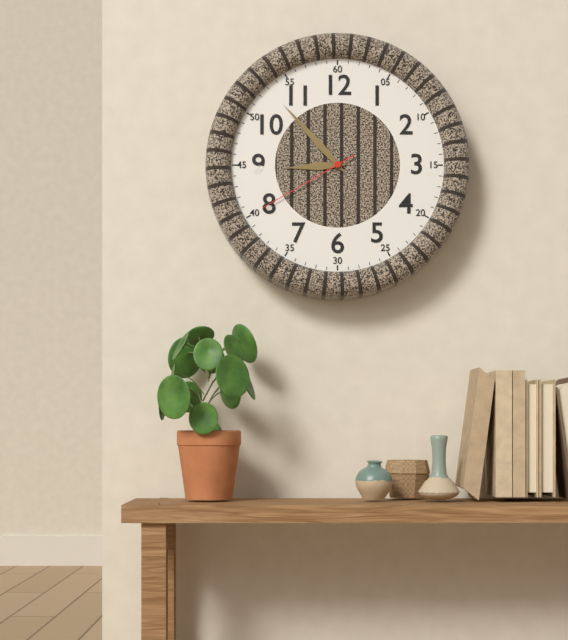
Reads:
{"hour": 8, "minute": 53, "second": 40}
